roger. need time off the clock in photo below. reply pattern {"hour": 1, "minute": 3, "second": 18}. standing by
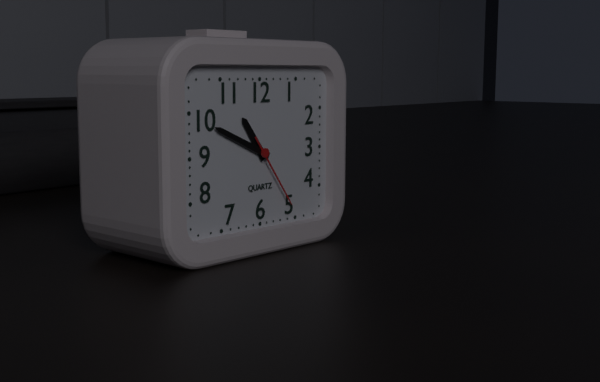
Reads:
{"hour": 10, "minute": 49, "second": 24}
